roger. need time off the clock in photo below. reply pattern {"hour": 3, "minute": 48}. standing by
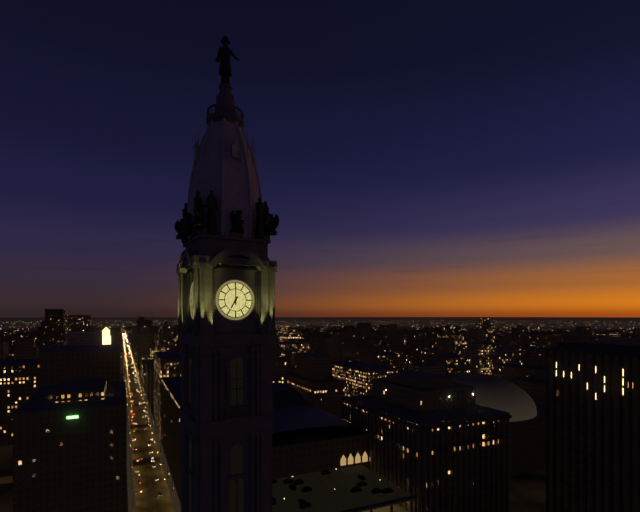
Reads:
{"hour": 7, "minute": 0}
